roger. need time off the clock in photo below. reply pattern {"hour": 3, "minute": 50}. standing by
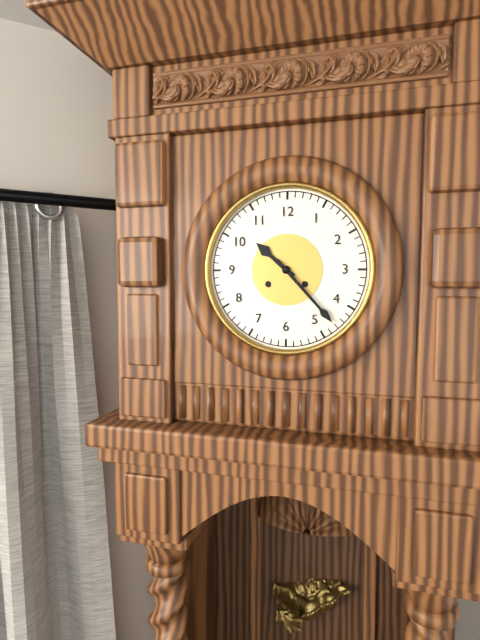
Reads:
{"hour": 10, "minute": 23}
